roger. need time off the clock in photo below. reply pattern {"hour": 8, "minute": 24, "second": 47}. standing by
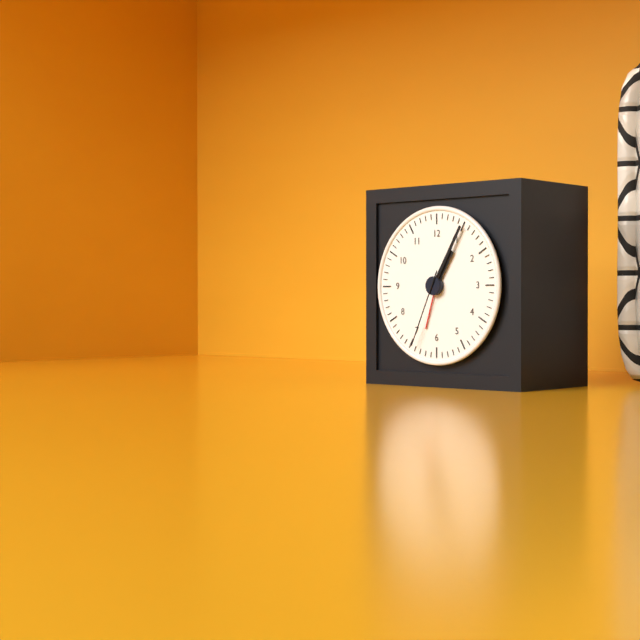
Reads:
{"hour": 1, "minute": 5, "second": 34}
